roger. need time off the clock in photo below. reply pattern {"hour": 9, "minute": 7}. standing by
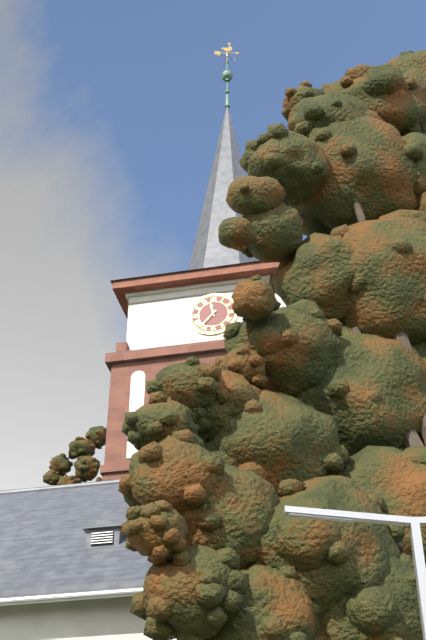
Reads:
{"hour": 11, "minute": 37}
